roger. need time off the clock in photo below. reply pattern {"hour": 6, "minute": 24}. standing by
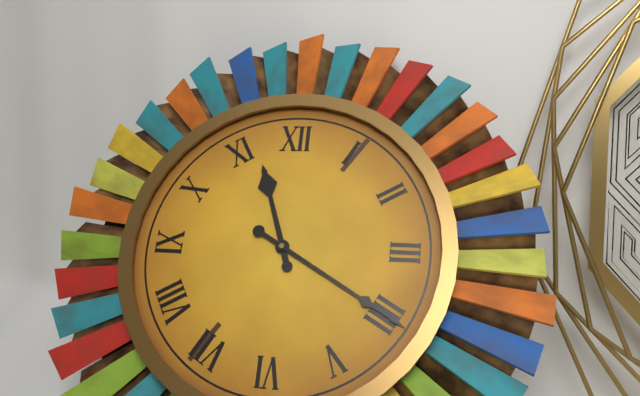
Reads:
{"hour": 11, "minute": 20}
